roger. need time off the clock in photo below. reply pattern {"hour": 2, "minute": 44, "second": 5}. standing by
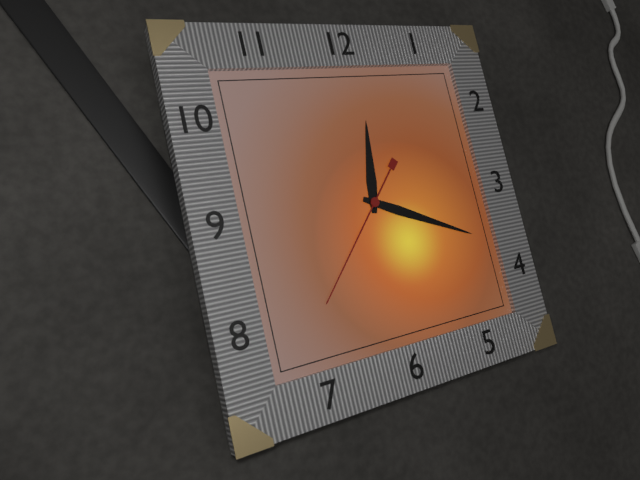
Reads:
{"hour": 12, "minute": 19, "second": 37}
